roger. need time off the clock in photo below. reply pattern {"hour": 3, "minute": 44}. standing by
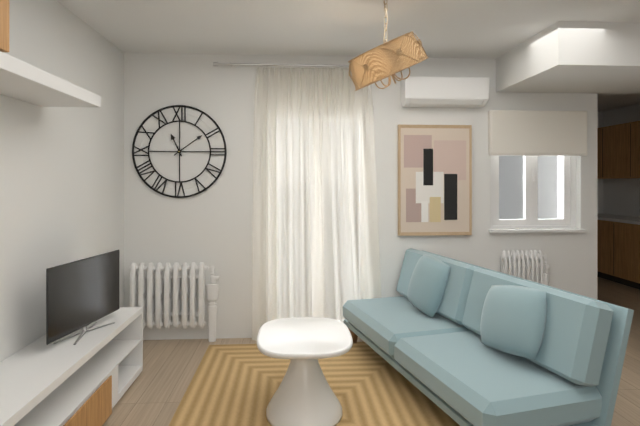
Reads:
{"hour": 11, "minute": 9}
